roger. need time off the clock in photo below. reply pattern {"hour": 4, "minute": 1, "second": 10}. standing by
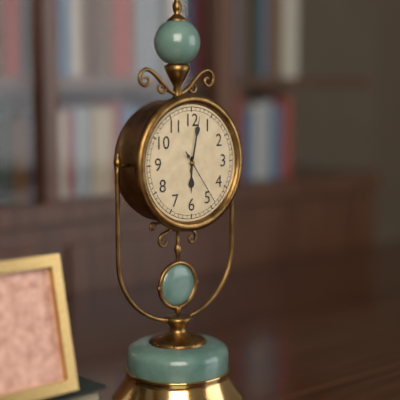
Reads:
{"hour": 6, "minute": 2, "second": 24}
